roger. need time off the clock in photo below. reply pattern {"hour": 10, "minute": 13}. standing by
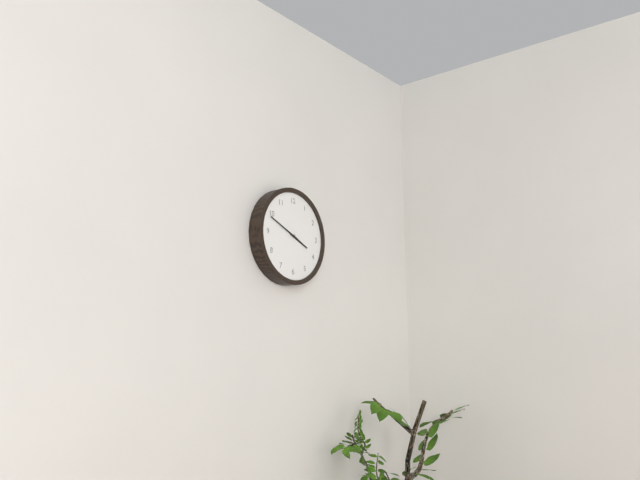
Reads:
{"hour": 3, "minute": 49}
